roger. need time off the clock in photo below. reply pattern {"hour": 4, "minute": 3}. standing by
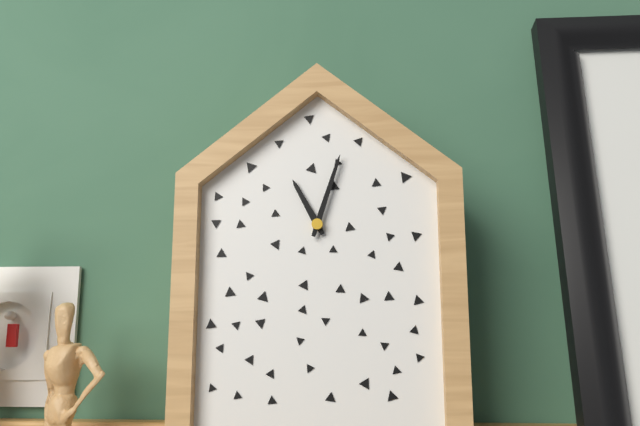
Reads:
{"hour": 11, "minute": 3}
